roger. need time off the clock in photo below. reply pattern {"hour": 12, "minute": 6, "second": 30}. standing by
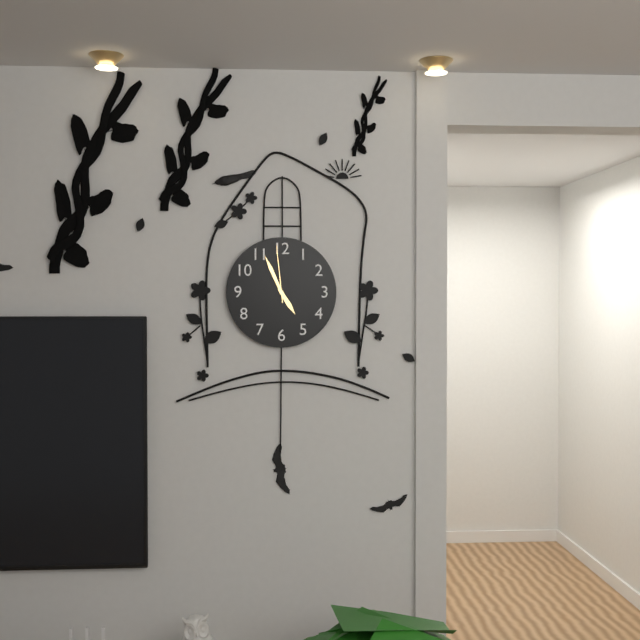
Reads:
{"hour": 4, "minute": 56, "second": 59}
